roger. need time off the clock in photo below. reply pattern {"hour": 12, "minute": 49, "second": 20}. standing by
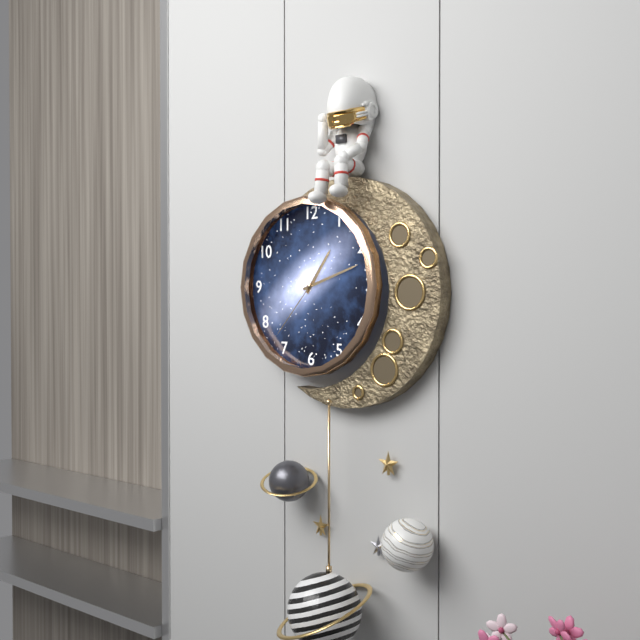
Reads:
{"hour": 1, "minute": 12, "second": 37}
